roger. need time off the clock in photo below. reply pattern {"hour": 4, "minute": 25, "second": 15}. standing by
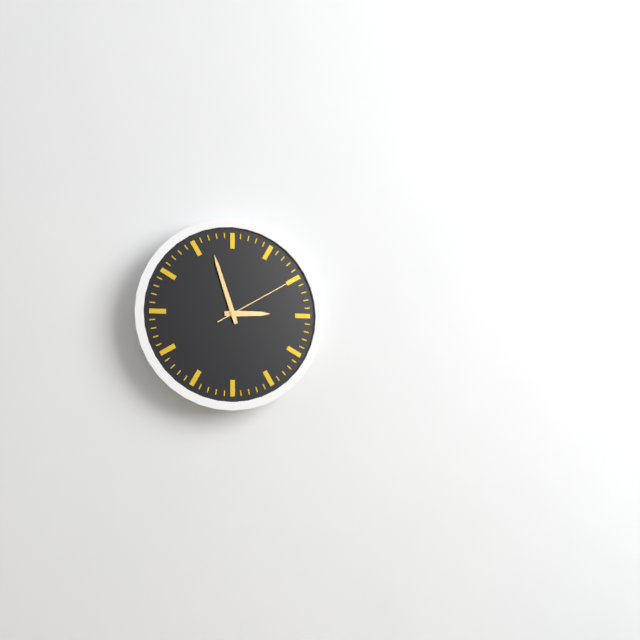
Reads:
{"hour": 2, "minute": 57, "second": 10}
